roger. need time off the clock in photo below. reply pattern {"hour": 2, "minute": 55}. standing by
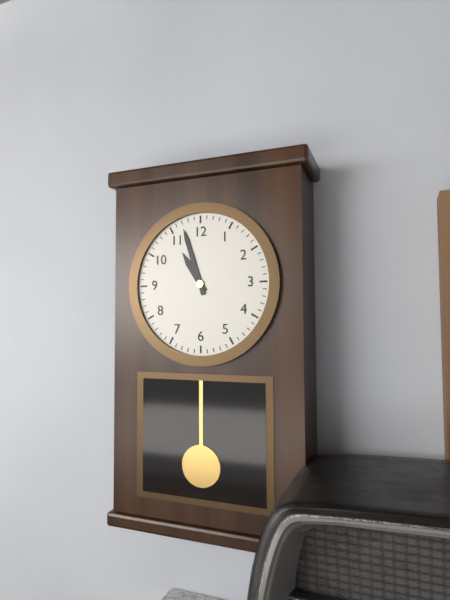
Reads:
{"hour": 10, "minute": 57}
